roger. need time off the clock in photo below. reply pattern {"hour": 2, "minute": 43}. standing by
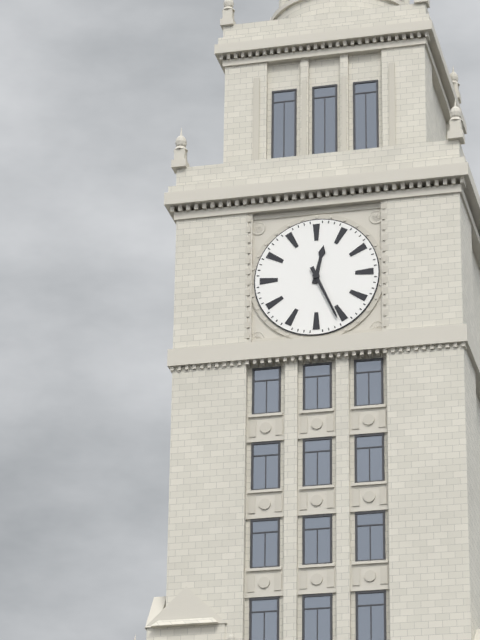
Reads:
{"hour": 12, "minute": 26}
